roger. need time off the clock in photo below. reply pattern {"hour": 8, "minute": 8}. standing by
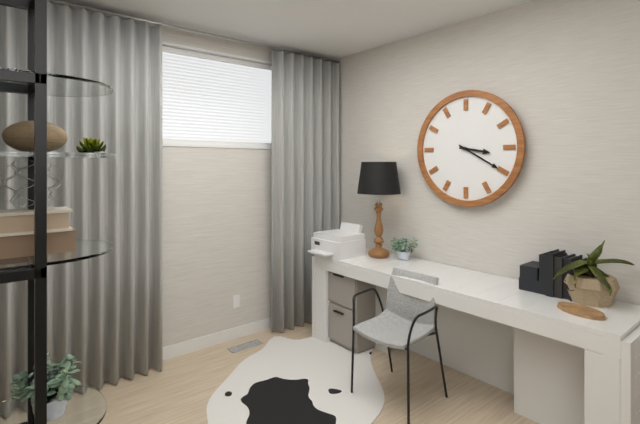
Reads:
{"hour": 3, "minute": 20}
